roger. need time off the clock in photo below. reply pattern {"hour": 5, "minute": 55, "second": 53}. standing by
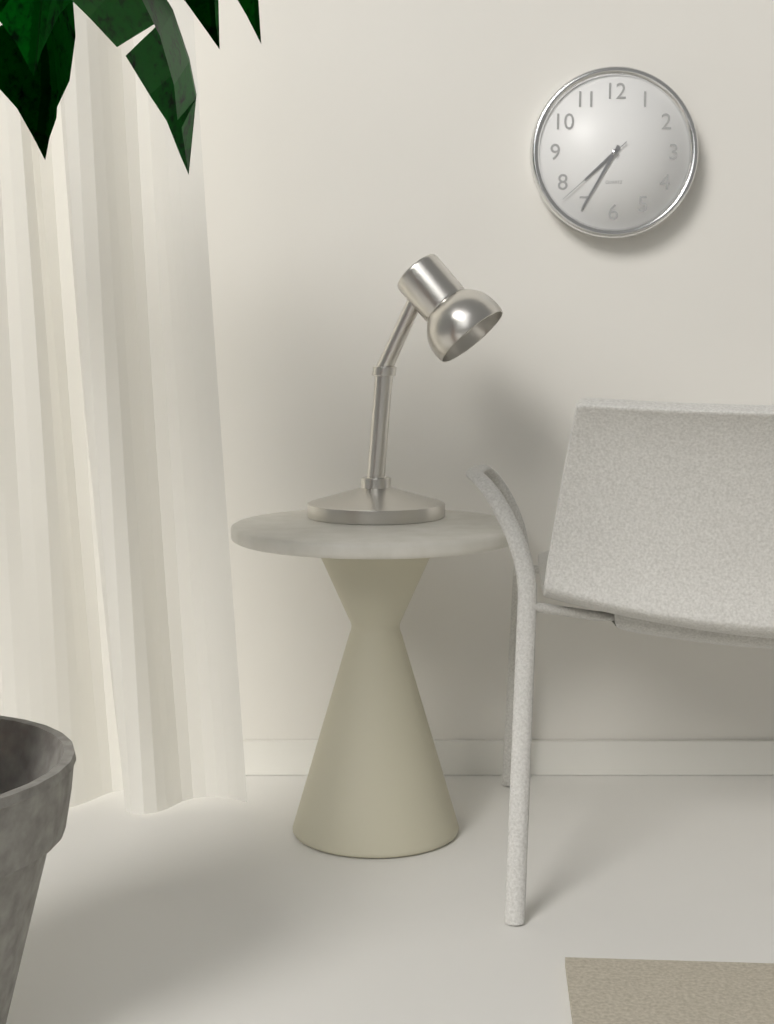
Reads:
{"hour": 7, "minute": 35, "second": 38}
